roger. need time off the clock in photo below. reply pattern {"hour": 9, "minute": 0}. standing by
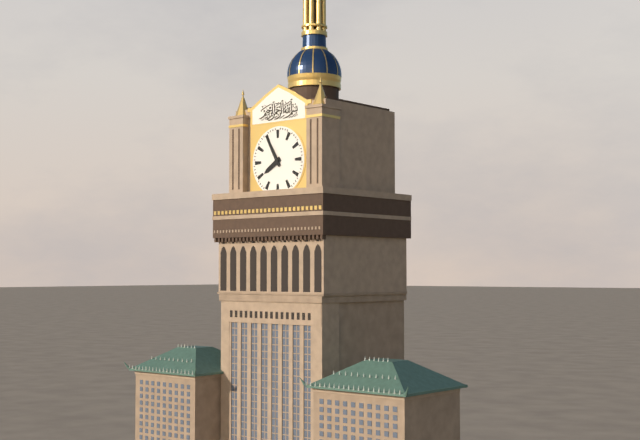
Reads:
{"hour": 7, "minute": 55}
